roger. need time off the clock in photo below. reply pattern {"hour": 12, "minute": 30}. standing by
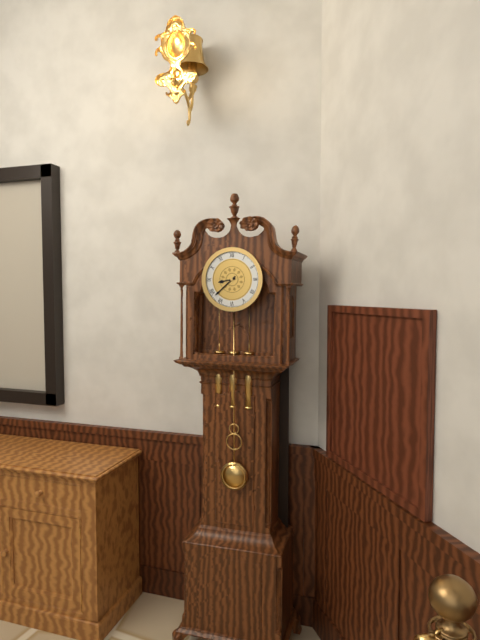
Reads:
{"hour": 8, "minute": 38}
